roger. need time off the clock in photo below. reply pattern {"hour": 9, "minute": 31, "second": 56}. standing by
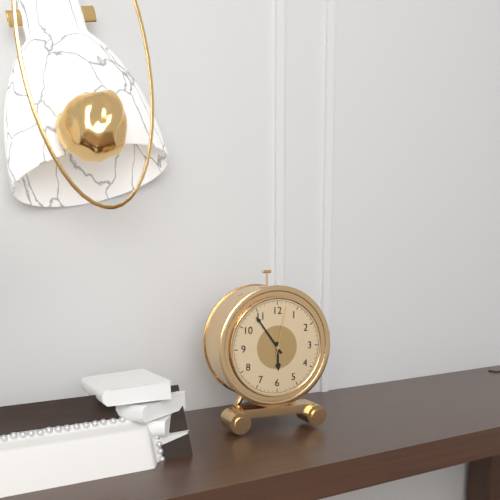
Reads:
{"hour": 5, "minute": 54, "second": 2}
